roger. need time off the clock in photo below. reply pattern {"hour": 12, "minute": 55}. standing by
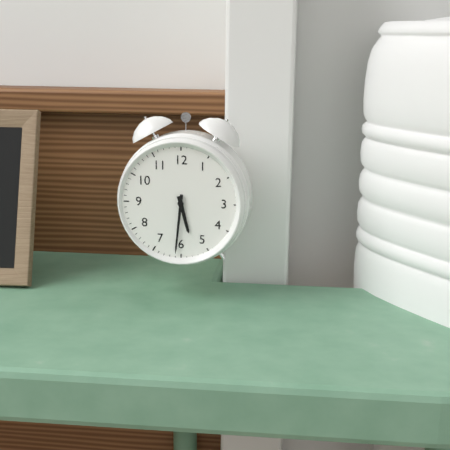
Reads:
{"hour": 5, "minute": 31}
